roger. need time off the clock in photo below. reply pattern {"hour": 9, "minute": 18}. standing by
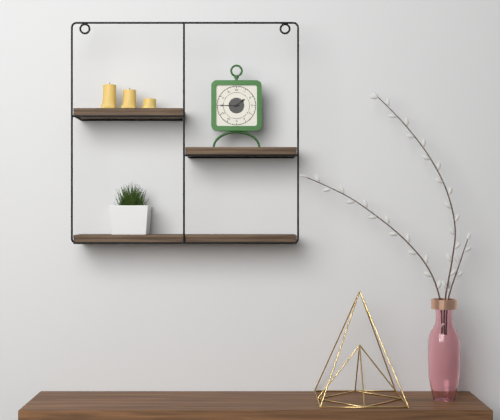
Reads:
{"hour": 1, "minute": 45}
